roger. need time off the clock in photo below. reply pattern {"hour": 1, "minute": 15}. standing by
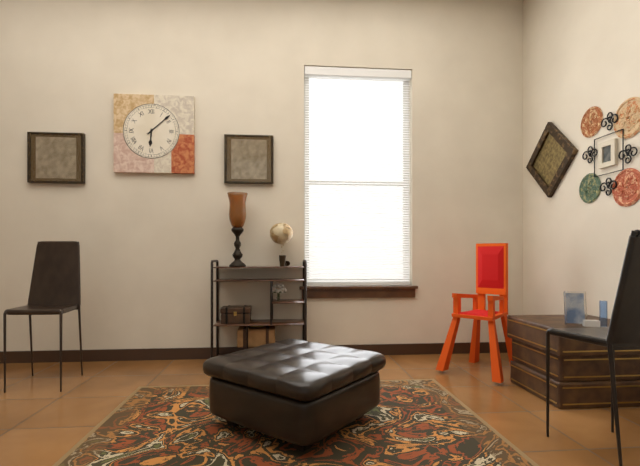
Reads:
{"hour": 6, "minute": 8}
